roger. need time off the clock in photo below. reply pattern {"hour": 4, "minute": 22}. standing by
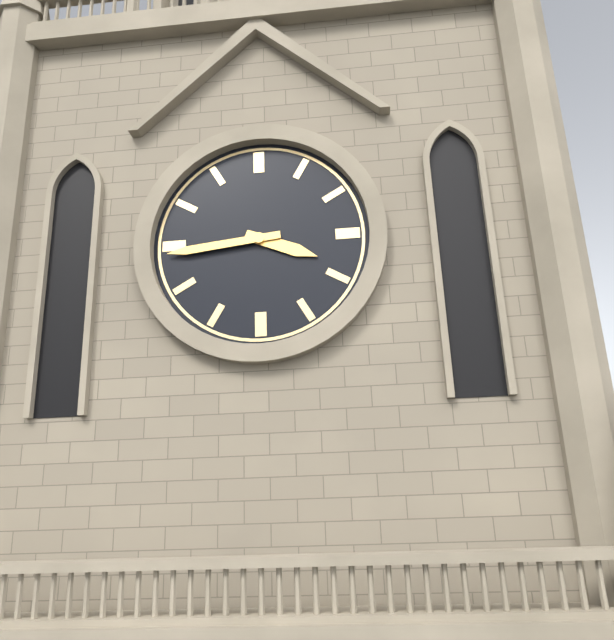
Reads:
{"hour": 3, "minute": 44}
